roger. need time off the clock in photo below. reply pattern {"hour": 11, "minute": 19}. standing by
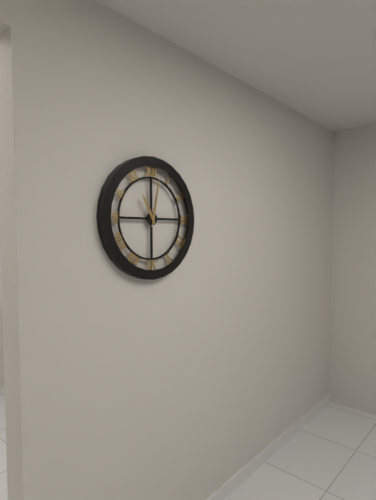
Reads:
{"hour": 11, "minute": 2}
